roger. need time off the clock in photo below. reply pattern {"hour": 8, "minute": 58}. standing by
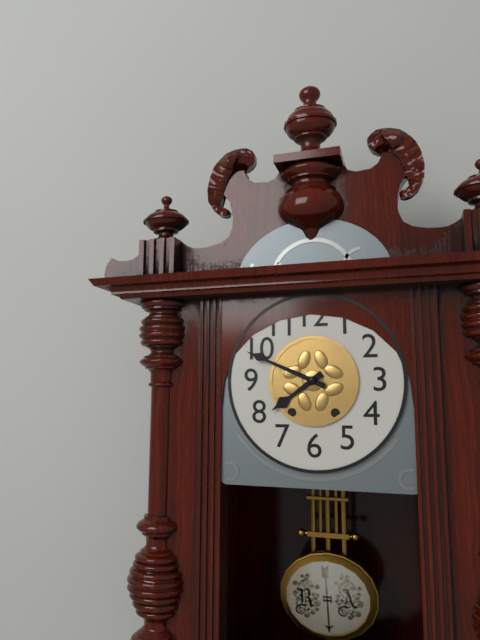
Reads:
{"hour": 7, "minute": 49}
